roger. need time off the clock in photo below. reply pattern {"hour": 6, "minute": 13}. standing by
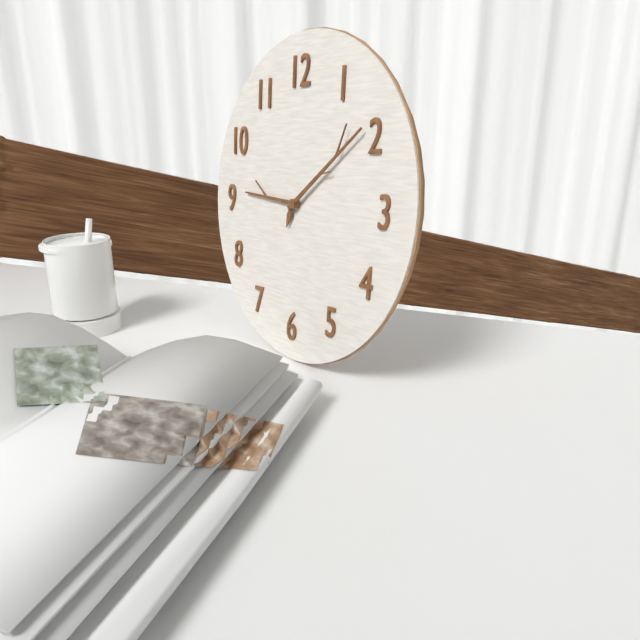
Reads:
{"hour": 9, "minute": 9}
